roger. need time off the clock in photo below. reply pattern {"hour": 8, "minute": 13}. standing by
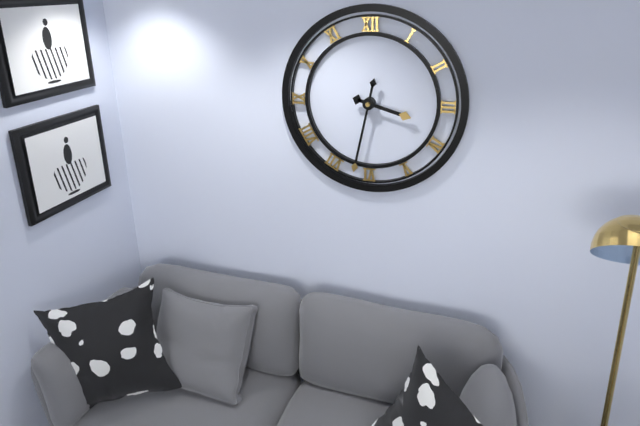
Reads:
{"hour": 3, "minute": 32}
